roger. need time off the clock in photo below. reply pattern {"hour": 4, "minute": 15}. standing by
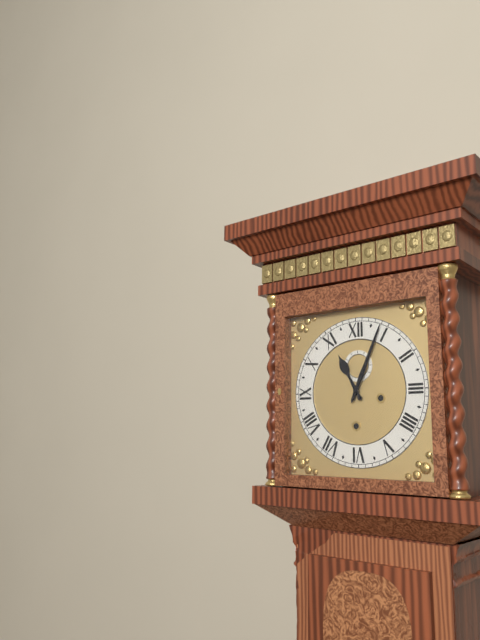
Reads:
{"hour": 11, "minute": 4}
